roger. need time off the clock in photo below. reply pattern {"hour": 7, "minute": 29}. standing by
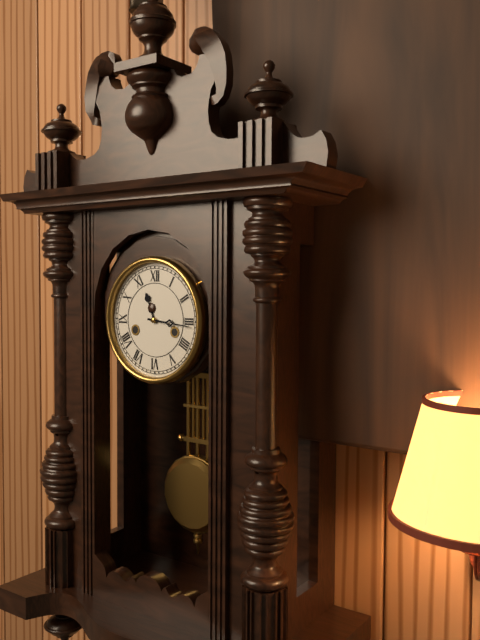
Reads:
{"hour": 11, "minute": 16}
